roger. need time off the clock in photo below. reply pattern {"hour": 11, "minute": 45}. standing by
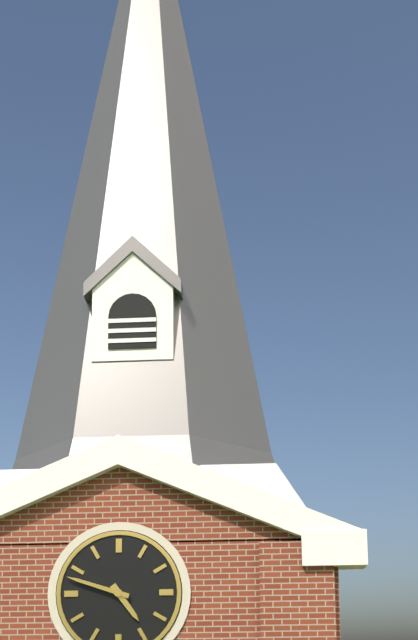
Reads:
{"hour": 4, "minute": 48}
